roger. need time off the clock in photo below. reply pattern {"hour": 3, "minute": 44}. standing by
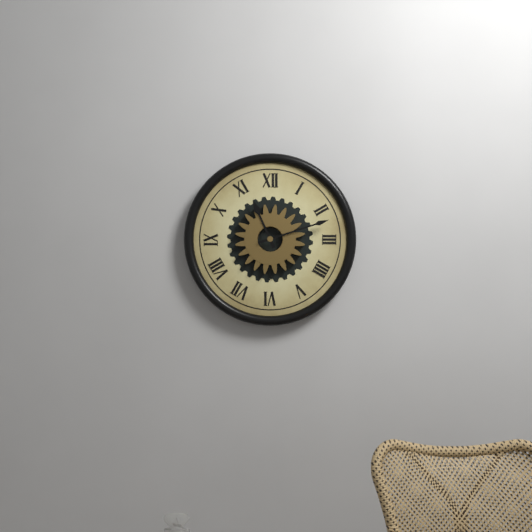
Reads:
{"hour": 11, "minute": 12}
